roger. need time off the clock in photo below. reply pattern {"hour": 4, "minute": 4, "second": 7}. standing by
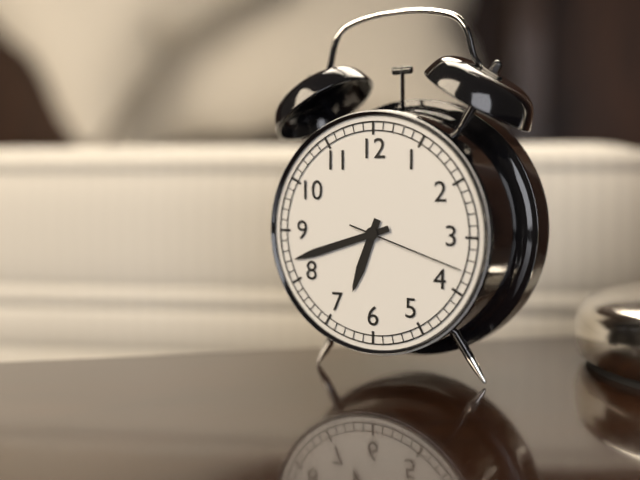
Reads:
{"hour": 6, "minute": 42, "second": 18}
